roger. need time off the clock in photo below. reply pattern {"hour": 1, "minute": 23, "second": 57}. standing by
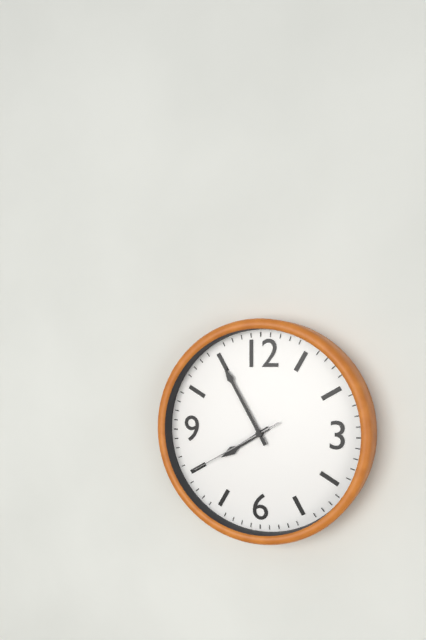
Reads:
{"hour": 7, "minute": 55, "second": 40}
